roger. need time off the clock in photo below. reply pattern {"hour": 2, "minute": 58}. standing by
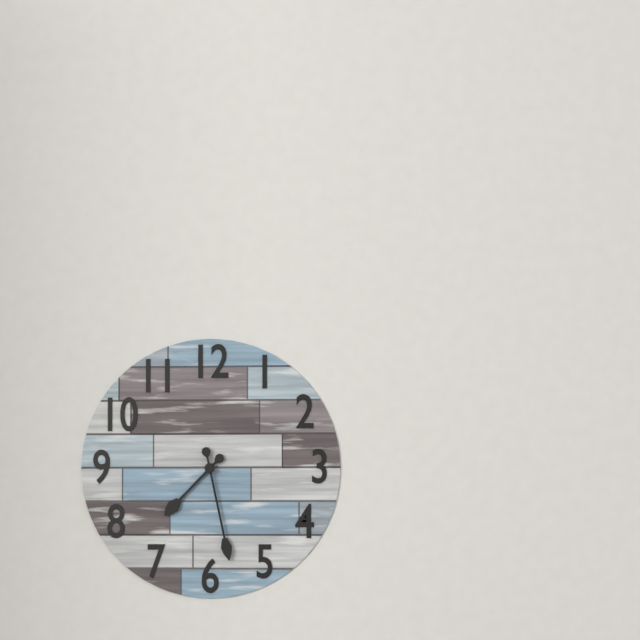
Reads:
{"hour": 7, "minute": 28}
